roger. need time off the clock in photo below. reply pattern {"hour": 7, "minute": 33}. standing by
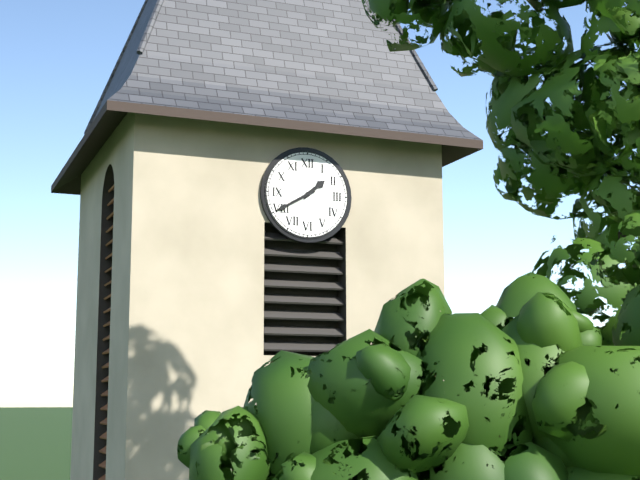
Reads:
{"hour": 1, "minute": 40}
